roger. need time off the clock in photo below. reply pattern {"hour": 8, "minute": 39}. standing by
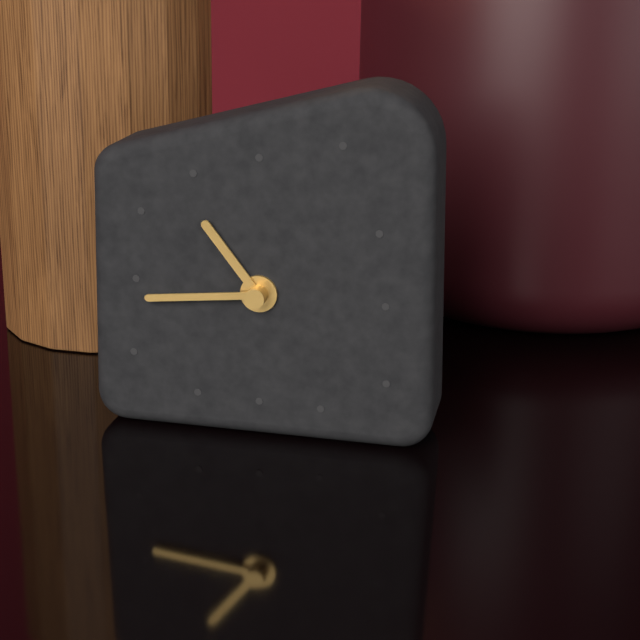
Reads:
{"hour": 10, "minute": 44}
